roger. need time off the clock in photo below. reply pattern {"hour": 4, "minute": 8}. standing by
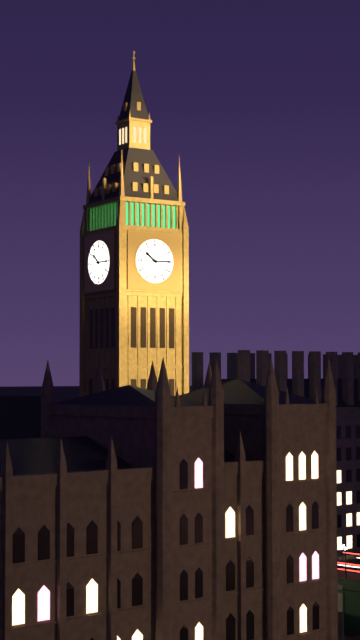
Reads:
{"hour": 10, "minute": 15}
